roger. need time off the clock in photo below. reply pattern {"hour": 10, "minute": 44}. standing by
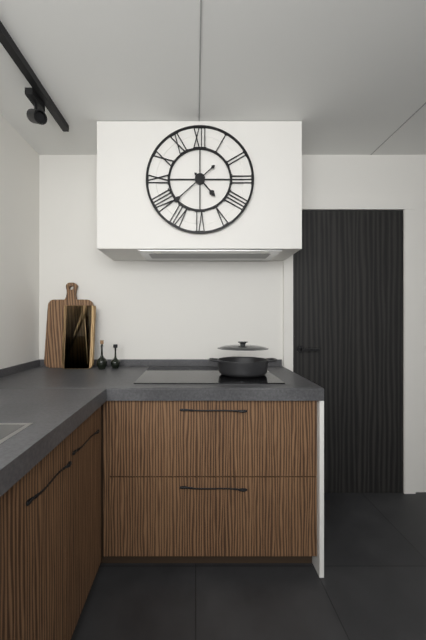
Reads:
{"hour": 4, "minute": 38}
